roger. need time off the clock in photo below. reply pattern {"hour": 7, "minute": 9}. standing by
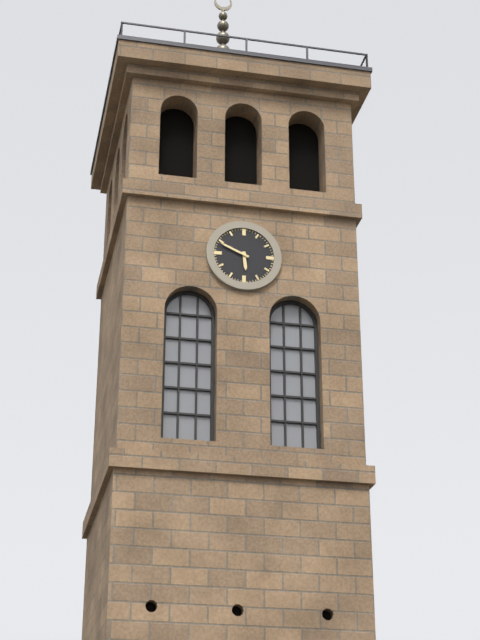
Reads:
{"hour": 5, "minute": 49}
